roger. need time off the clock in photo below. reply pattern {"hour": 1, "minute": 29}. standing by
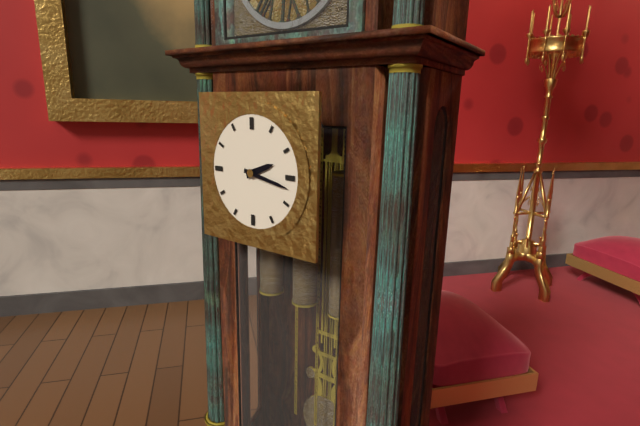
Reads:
{"hour": 2, "minute": 17}
